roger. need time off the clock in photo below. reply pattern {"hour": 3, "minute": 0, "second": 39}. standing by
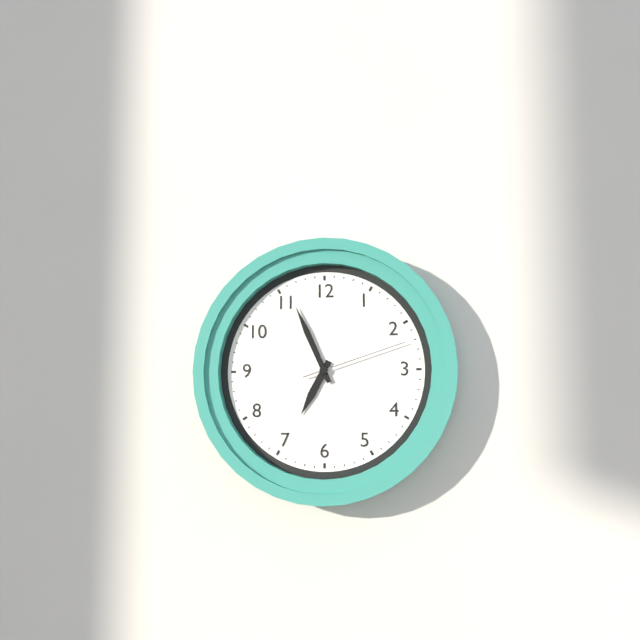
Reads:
{"hour": 6, "minute": 56, "second": 12}
